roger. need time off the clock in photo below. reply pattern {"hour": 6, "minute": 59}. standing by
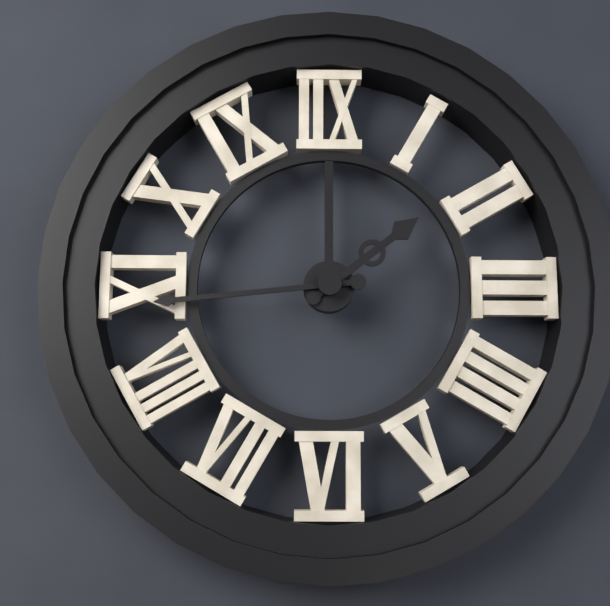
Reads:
{"hour": 1, "minute": 44}
